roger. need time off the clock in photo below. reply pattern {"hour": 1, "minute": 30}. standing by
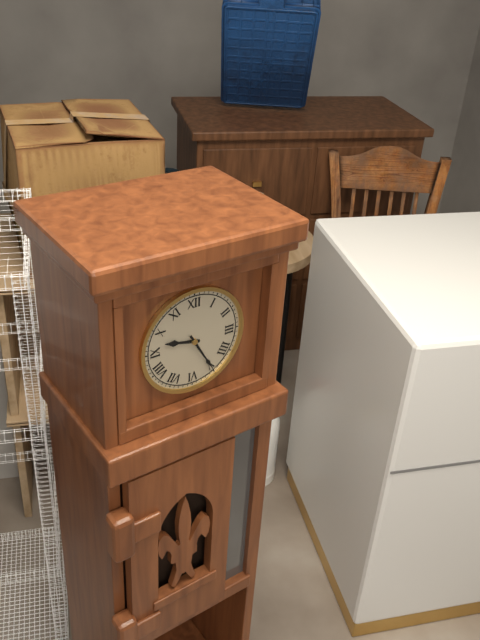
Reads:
{"hour": 9, "minute": 25}
